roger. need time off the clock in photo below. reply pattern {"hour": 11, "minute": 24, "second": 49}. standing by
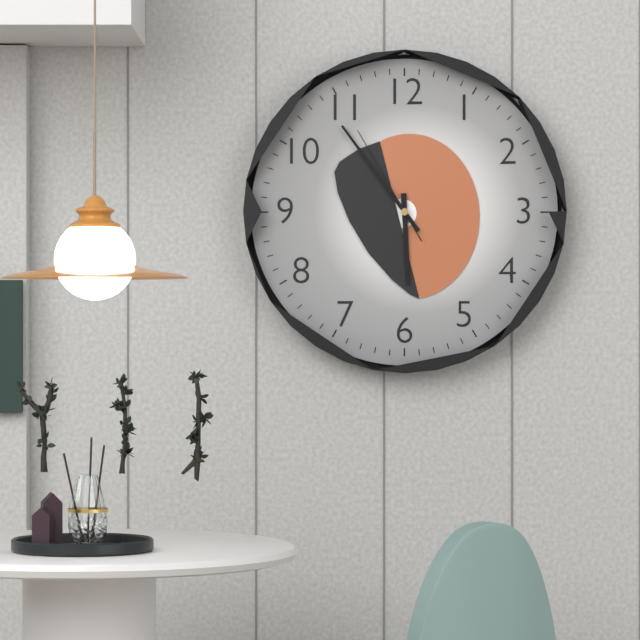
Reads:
{"hour": 5, "minute": 54, "second": 55}
